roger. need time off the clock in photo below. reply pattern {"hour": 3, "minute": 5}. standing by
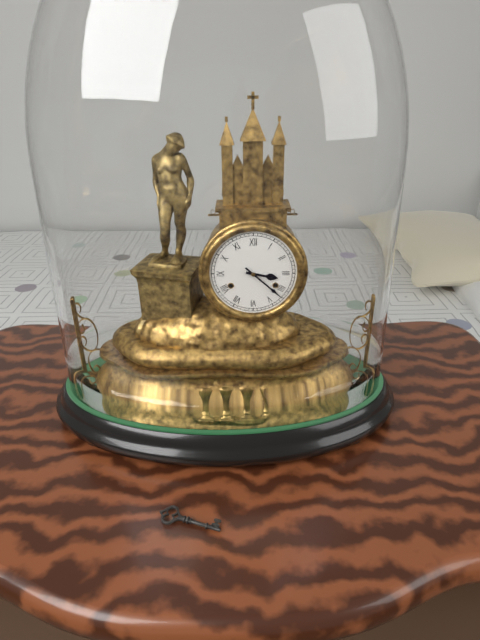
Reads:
{"hour": 3, "minute": 22}
